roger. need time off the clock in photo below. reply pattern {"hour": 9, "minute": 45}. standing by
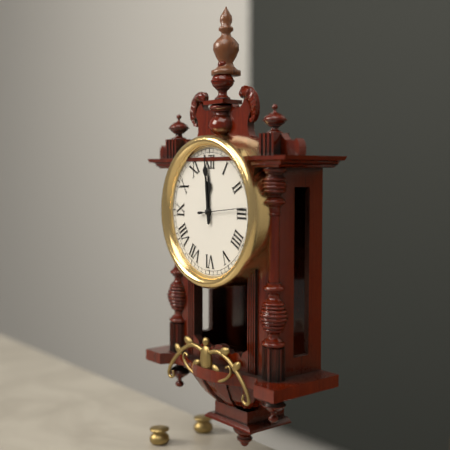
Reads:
{"hour": 11, "minute": 59}
